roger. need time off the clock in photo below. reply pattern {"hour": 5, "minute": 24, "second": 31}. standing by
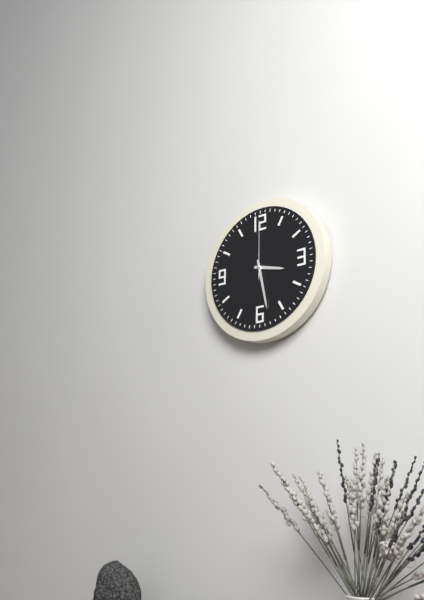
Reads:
{"hour": 3, "minute": 28, "second": 0}
